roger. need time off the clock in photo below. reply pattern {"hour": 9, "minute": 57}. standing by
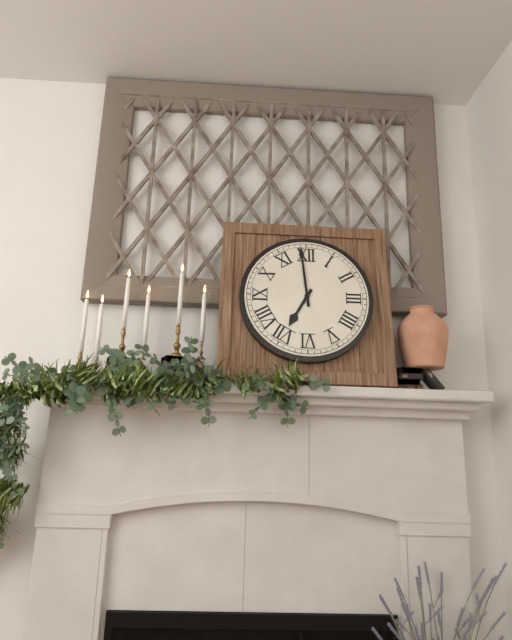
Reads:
{"hour": 6, "minute": 59}
